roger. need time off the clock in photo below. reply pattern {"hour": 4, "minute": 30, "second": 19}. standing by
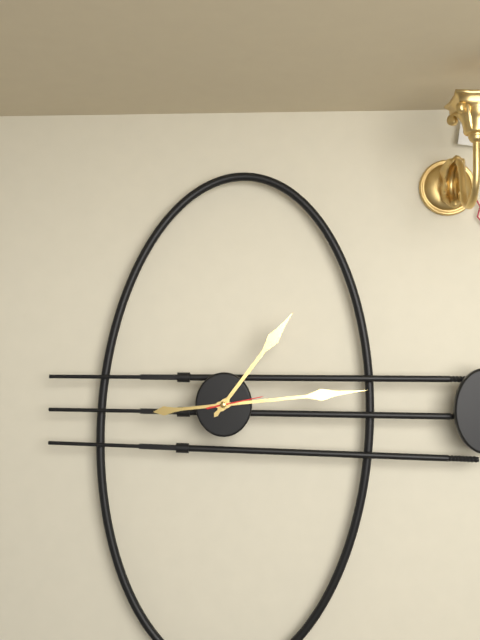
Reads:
{"hour": 1, "minute": 14, "second": 13}
